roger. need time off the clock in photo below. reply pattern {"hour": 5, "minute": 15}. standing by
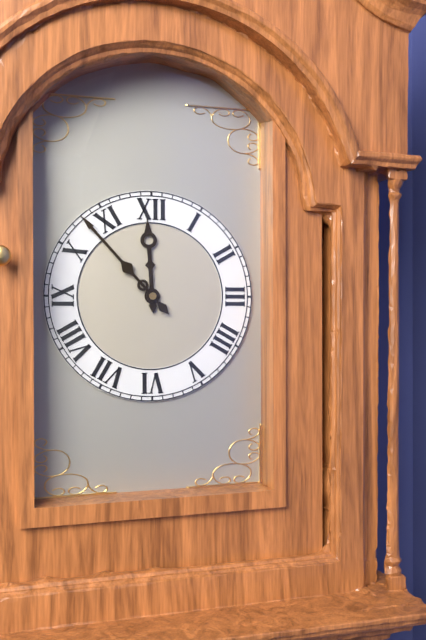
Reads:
{"hour": 11, "minute": 53}
